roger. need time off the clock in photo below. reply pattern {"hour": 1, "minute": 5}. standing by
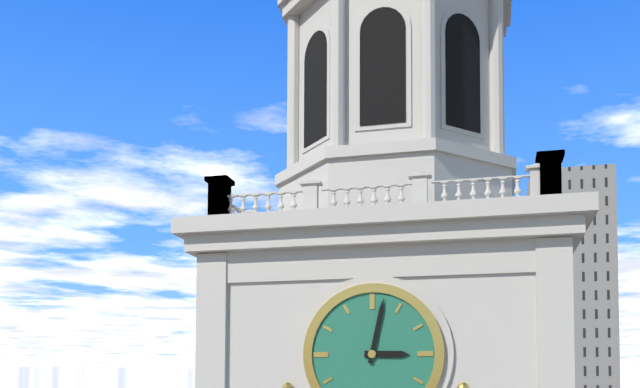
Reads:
{"hour": 3, "minute": 2}
